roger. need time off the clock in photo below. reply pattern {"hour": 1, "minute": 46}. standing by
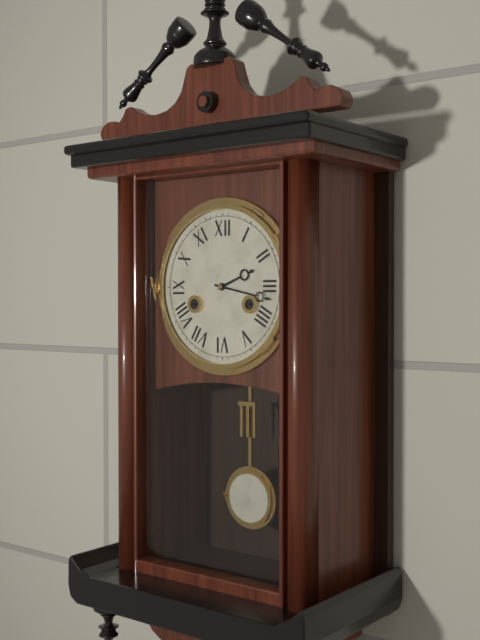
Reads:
{"hour": 2, "minute": 17}
